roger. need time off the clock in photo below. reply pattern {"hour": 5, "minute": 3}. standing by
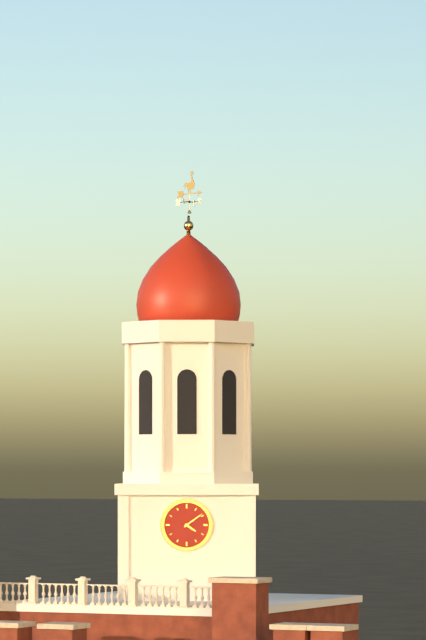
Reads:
{"hour": 4, "minute": 9}
